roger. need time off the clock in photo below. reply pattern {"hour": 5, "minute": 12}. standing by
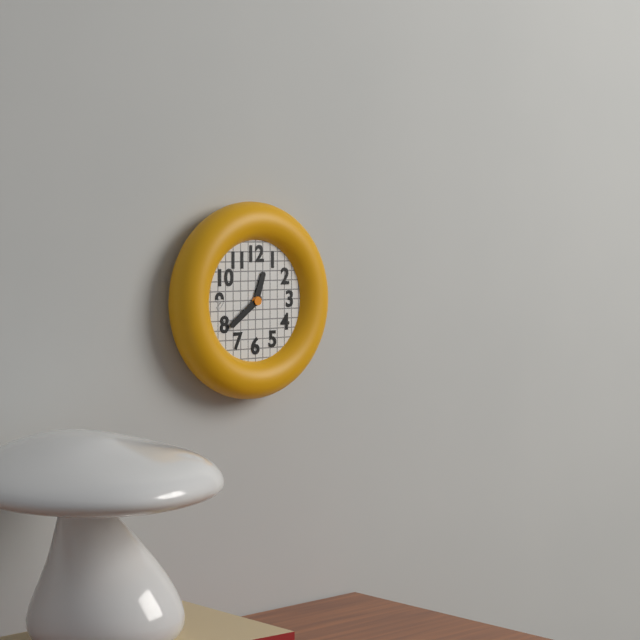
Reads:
{"hour": 12, "minute": 39}
